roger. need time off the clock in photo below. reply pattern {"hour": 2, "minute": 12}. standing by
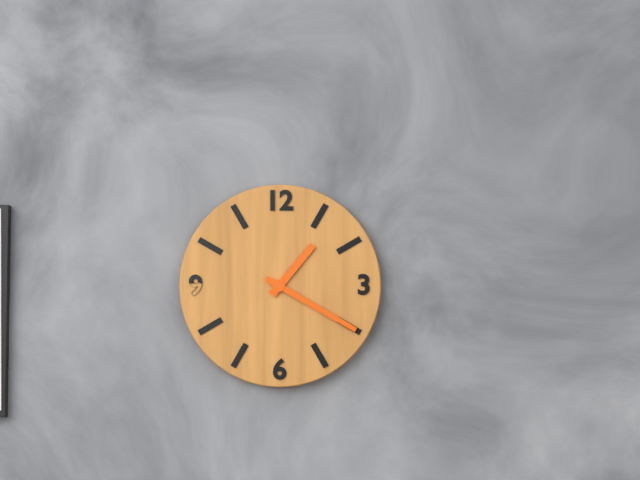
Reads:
{"hour": 1, "minute": 20}
